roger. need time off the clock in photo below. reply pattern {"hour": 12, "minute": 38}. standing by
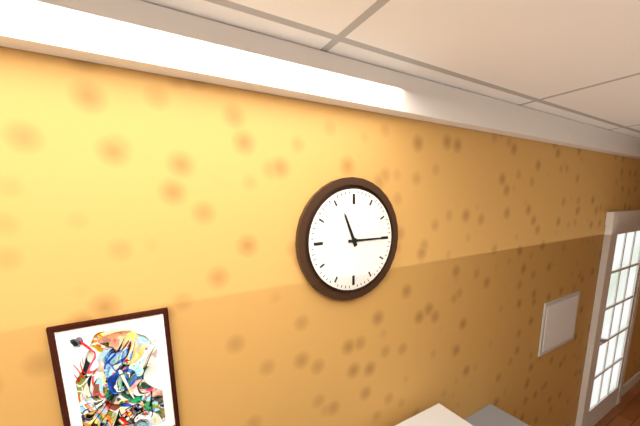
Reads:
{"hour": 11, "minute": 15}
